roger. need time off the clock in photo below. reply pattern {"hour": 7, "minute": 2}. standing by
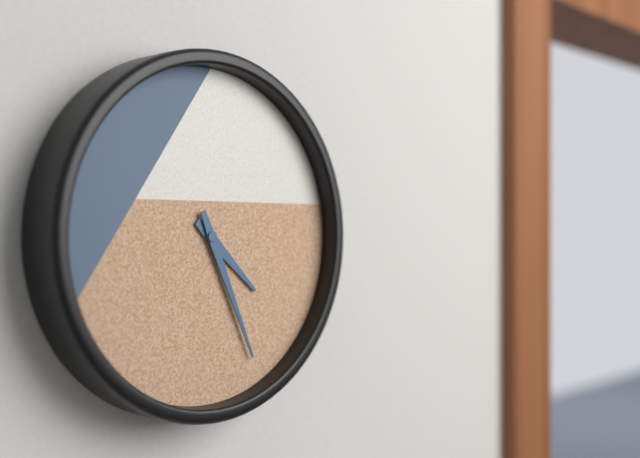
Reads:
{"hour": 4, "minute": 26}
